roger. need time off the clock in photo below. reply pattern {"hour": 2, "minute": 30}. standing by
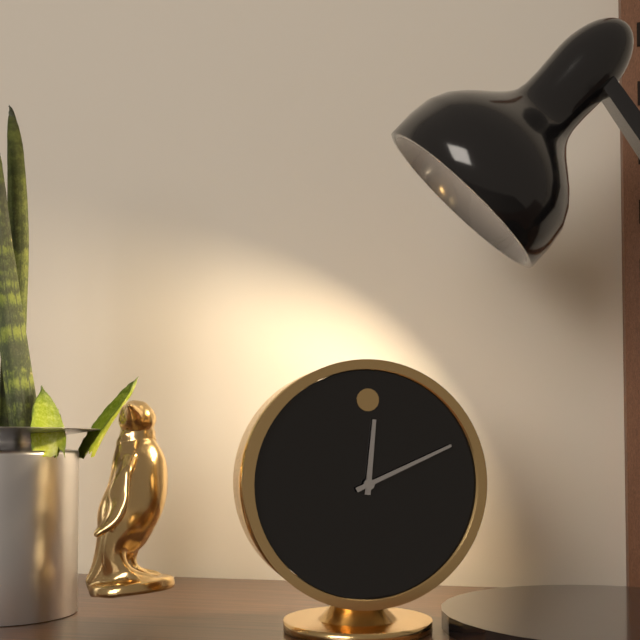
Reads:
{"hour": 12, "minute": 11}
